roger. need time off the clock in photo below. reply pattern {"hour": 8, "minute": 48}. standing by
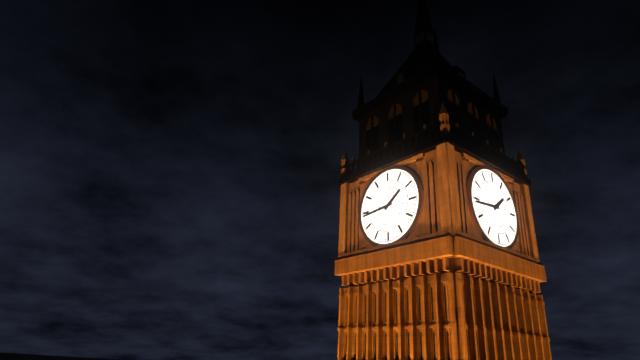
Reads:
{"hour": 1, "minute": 44}
